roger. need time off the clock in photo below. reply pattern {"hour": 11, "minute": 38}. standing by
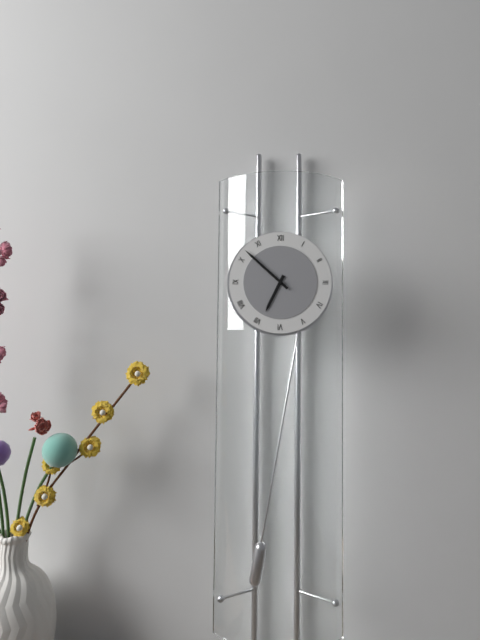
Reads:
{"hour": 6, "minute": 52}
